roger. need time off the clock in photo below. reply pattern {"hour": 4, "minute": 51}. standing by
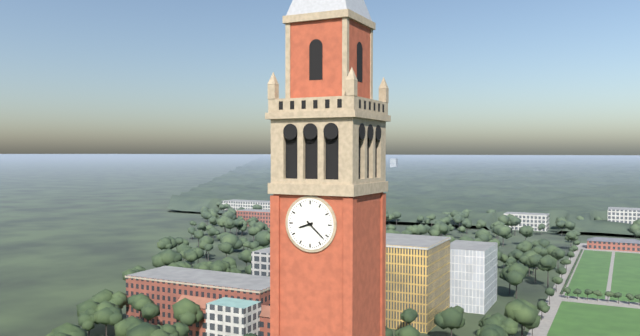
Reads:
{"hour": 8, "minute": 22}
